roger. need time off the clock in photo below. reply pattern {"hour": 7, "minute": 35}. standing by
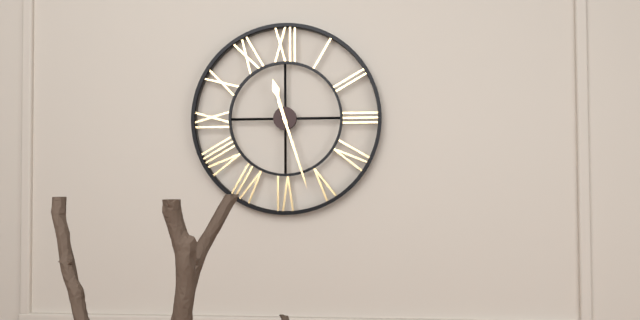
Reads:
{"hour": 11, "minute": 27}
